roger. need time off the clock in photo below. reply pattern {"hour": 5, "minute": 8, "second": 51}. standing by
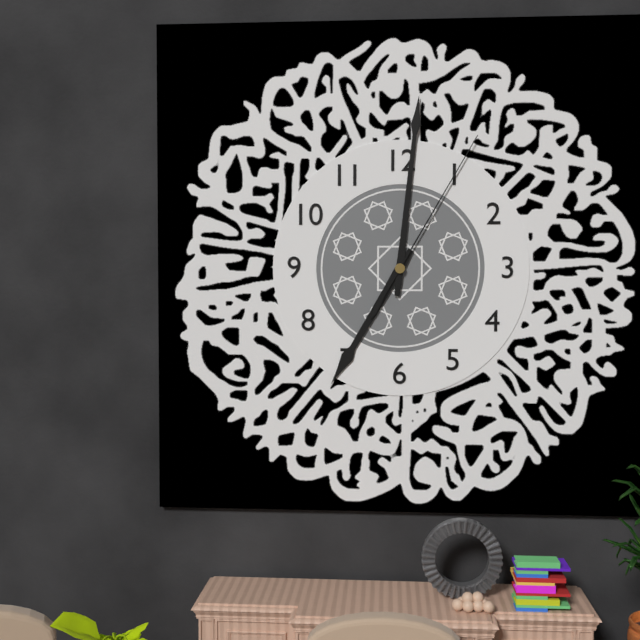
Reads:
{"hour": 7, "minute": 1, "second": 5}
